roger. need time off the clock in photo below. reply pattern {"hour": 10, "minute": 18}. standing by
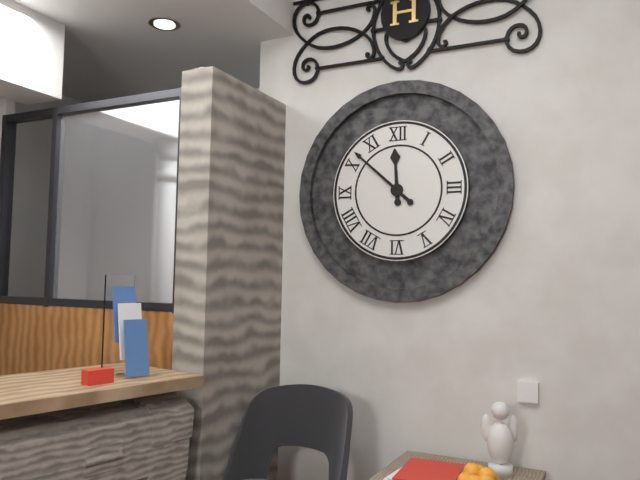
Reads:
{"hour": 11, "minute": 52}
